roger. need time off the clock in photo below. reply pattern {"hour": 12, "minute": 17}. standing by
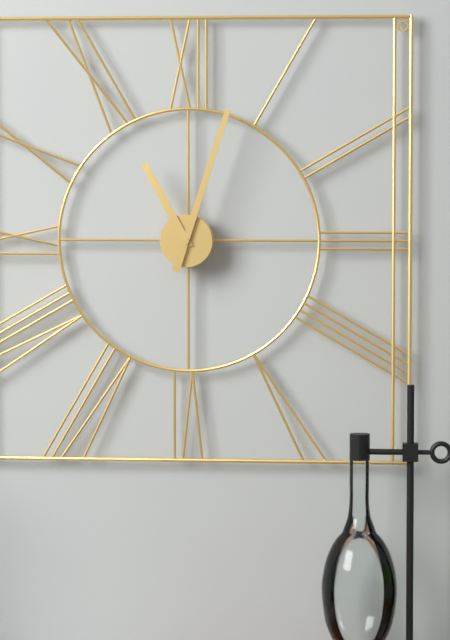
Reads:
{"hour": 11, "minute": 3}
